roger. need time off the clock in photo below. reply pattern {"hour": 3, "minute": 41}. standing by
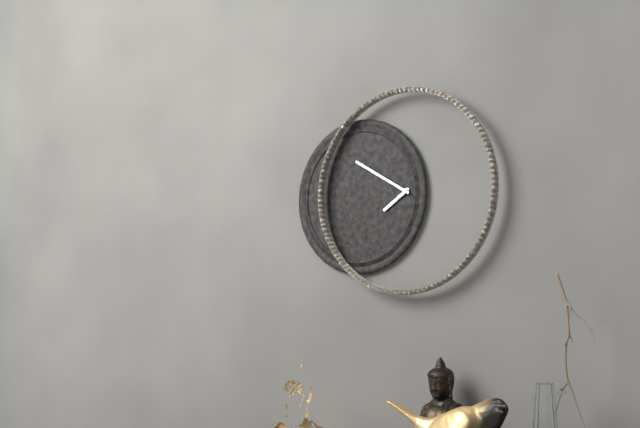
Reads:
{"hour": 7, "minute": 50}
